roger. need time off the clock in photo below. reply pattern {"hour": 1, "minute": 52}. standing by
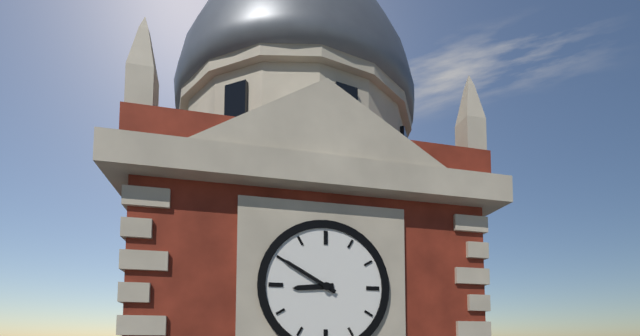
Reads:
{"hour": 8, "minute": 50}
